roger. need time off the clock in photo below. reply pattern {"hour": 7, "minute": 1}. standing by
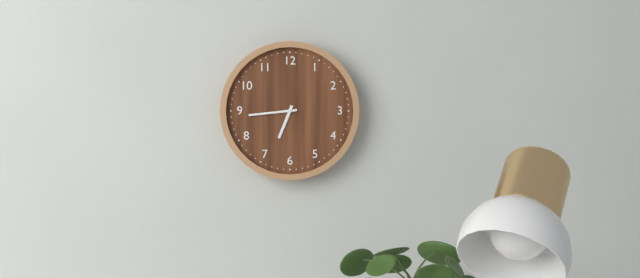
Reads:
{"hour": 6, "minute": 44}
